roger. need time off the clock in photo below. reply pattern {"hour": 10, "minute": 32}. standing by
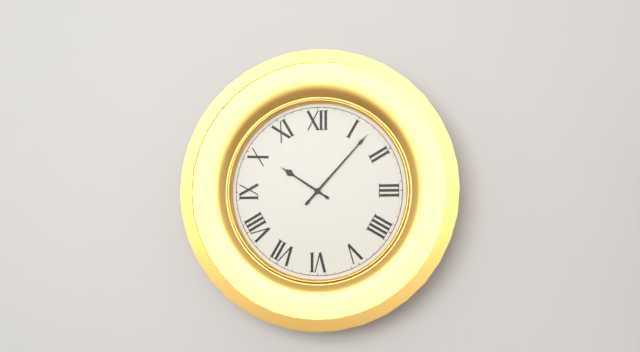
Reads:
{"hour": 10, "minute": 7}
